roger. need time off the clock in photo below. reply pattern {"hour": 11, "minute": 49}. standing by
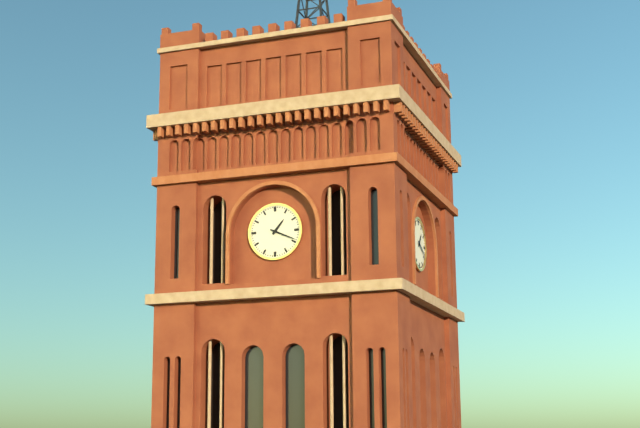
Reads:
{"hour": 1, "minute": 19}
